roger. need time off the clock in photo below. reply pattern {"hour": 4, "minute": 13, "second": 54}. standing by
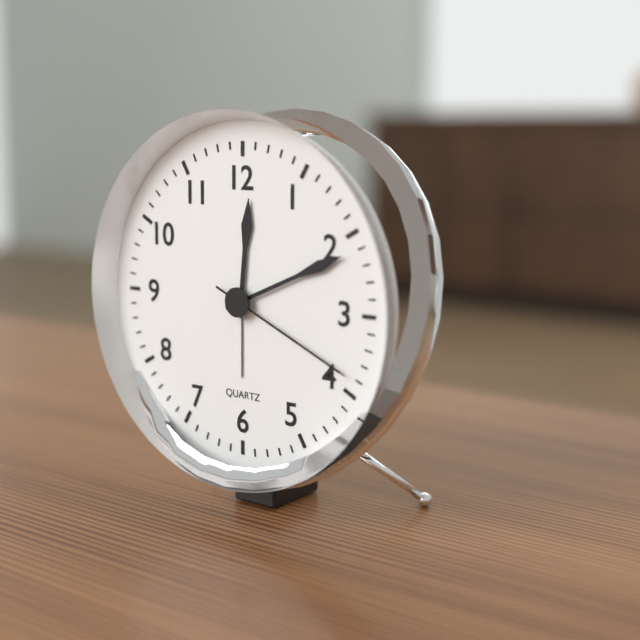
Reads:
{"hour": 12, "minute": 11, "second": 19}
